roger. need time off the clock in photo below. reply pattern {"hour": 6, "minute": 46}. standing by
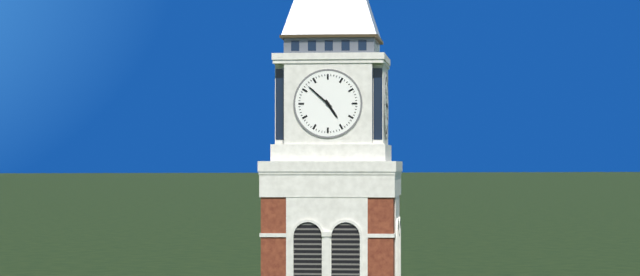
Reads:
{"hour": 4, "minute": 52}
